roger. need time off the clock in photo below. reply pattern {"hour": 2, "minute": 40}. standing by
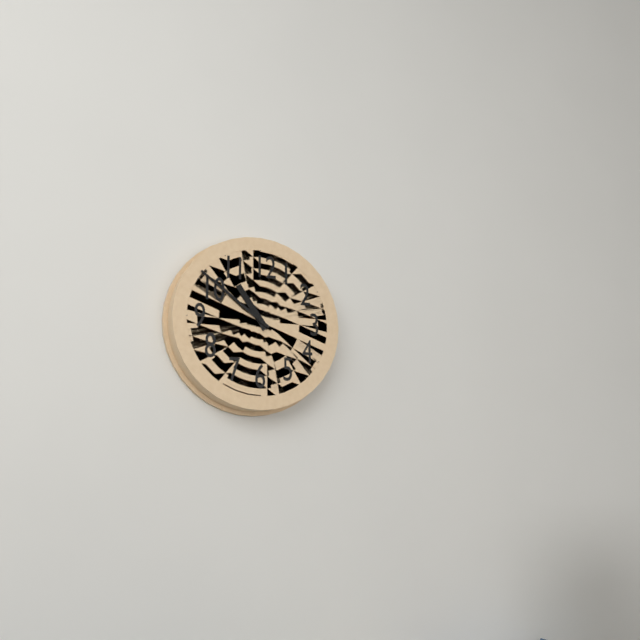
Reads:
{"hour": 10, "minute": 51}
